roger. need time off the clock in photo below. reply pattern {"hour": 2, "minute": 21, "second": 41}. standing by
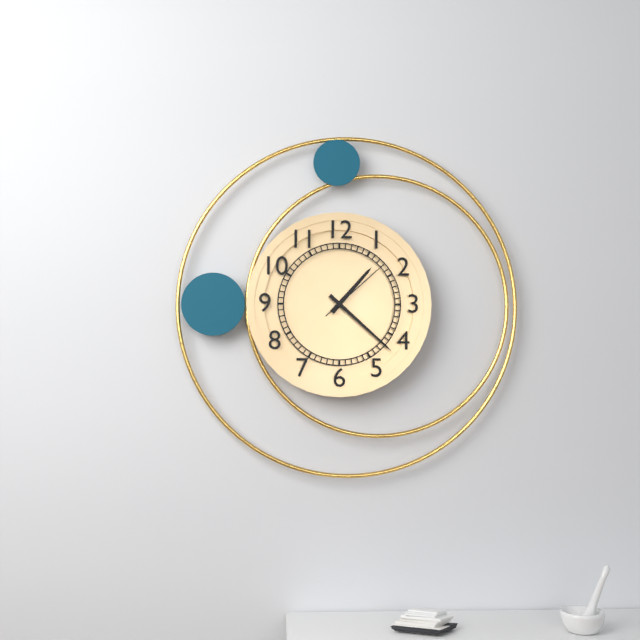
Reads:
{"hour": 1, "minute": 22, "second": 8}
